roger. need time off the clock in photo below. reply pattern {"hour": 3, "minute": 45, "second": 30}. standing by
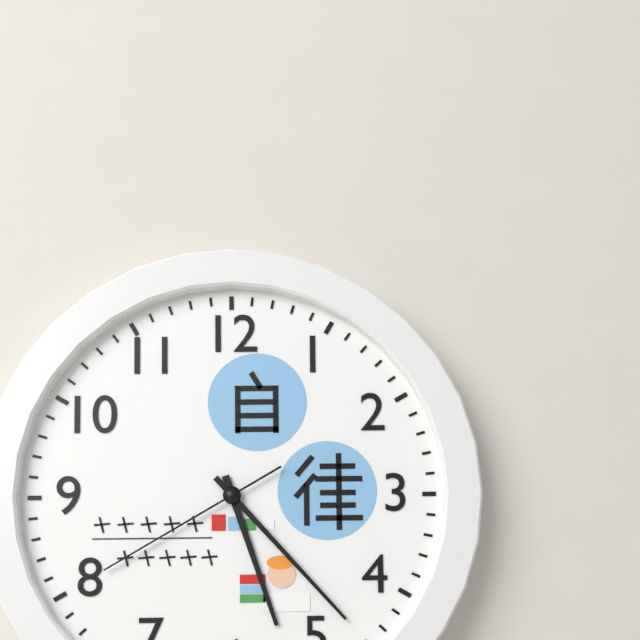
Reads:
{"hour": 5, "minute": 23, "second": 40}
